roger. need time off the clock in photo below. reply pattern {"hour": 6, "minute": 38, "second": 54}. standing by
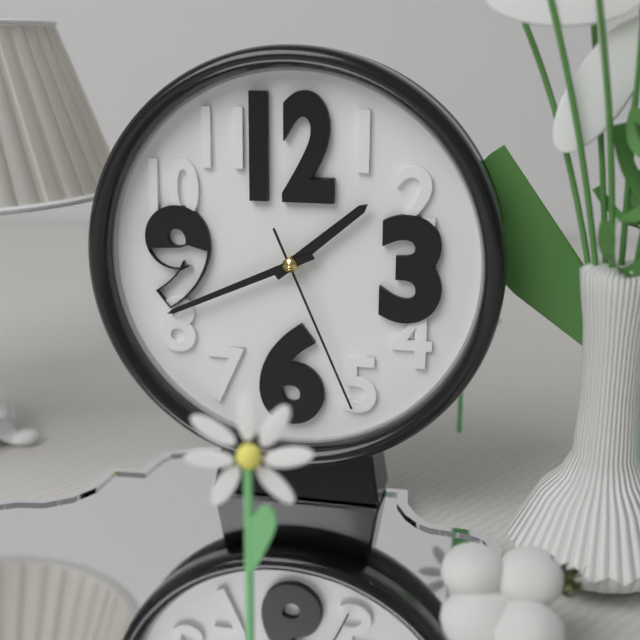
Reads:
{"hour": 1, "minute": 41, "second": 26}
